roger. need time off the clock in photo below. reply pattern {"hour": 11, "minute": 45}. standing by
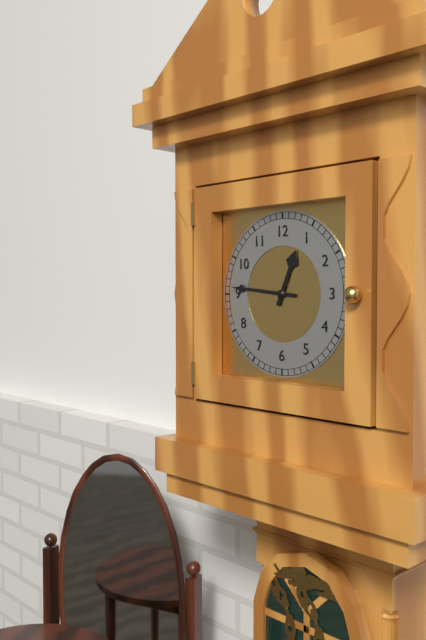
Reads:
{"hour": 12, "minute": 46}
